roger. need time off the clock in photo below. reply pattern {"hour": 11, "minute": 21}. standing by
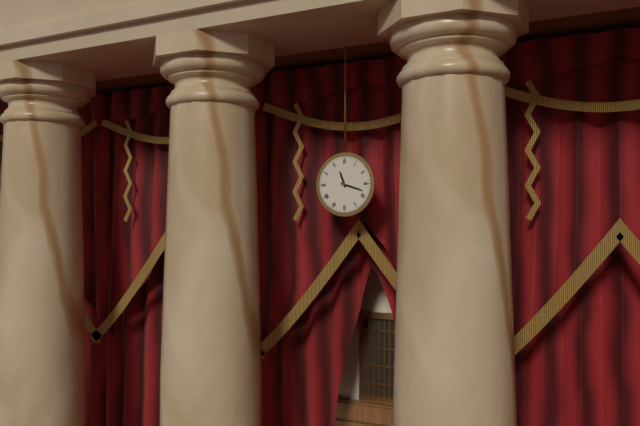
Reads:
{"hour": 11, "minute": 18}
